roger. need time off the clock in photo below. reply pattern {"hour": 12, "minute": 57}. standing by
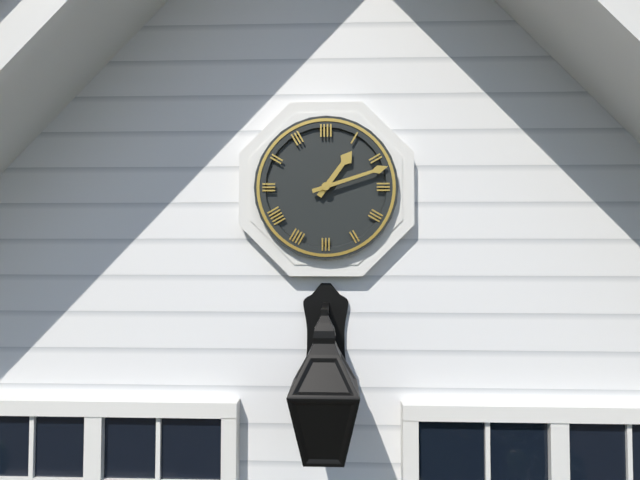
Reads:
{"hour": 1, "minute": 12}
